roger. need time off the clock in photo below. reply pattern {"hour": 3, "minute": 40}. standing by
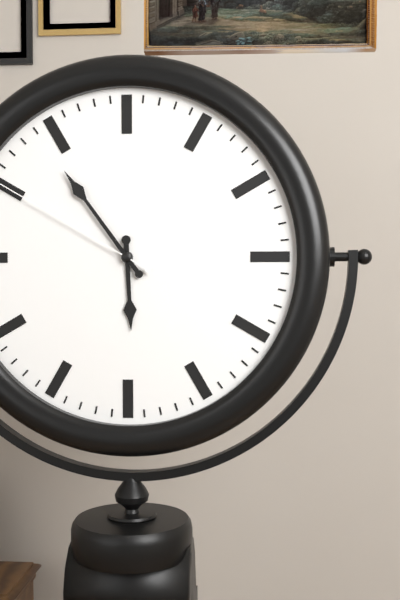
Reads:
{"hour": 5, "minute": 54}
